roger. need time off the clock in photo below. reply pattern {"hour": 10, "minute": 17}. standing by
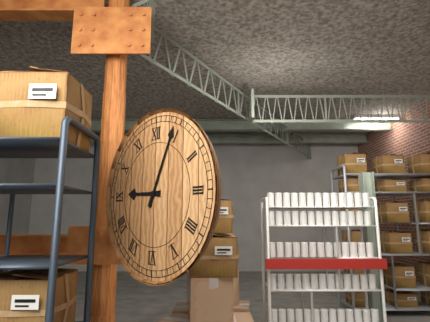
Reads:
{"hour": 9, "minute": 4}
